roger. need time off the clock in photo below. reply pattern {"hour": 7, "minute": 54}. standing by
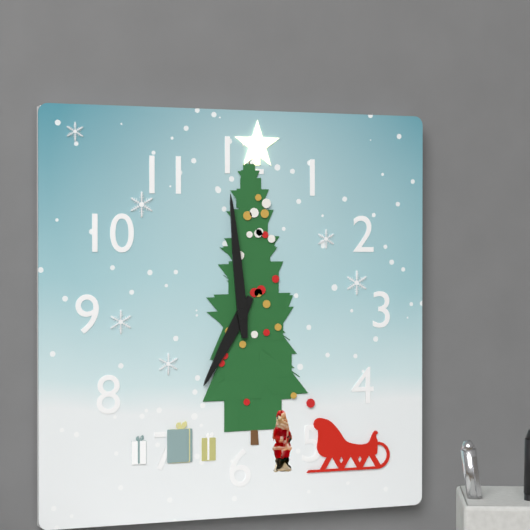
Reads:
{"hour": 6, "minute": 59}
